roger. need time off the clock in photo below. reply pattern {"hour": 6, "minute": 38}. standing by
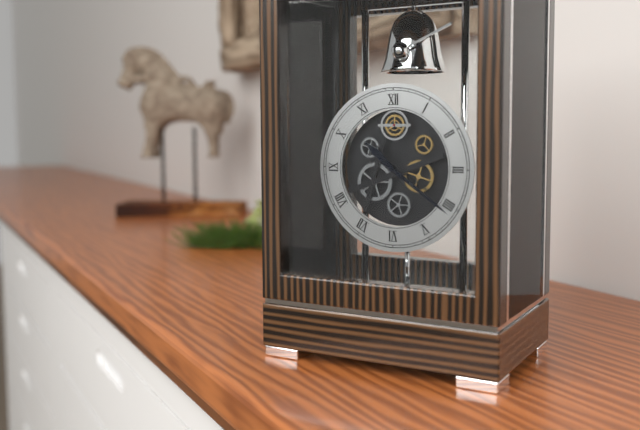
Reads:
{"hour": 10, "minute": 21}
